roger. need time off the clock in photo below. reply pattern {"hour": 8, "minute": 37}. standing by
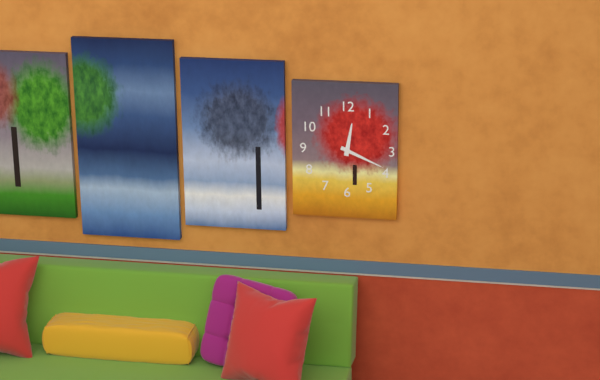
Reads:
{"hour": 12, "minute": 19}
